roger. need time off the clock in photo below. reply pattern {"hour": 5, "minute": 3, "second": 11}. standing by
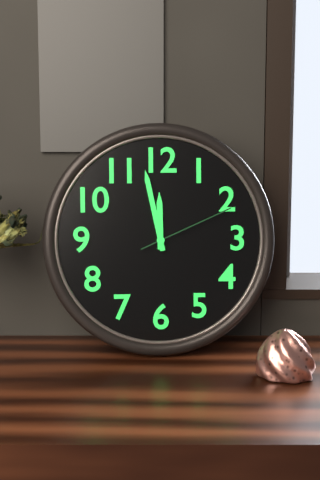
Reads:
{"hour": 11, "minute": 58, "second": 11}
